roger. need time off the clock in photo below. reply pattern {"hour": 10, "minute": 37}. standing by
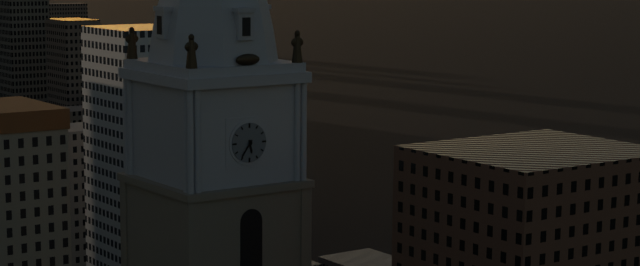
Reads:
{"hour": 5, "minute": 36}
